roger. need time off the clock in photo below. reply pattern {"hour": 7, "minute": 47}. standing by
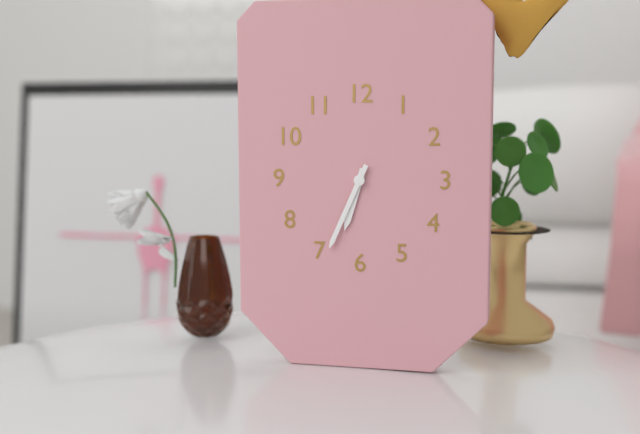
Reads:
{"hour": 6, "minute": 34}
